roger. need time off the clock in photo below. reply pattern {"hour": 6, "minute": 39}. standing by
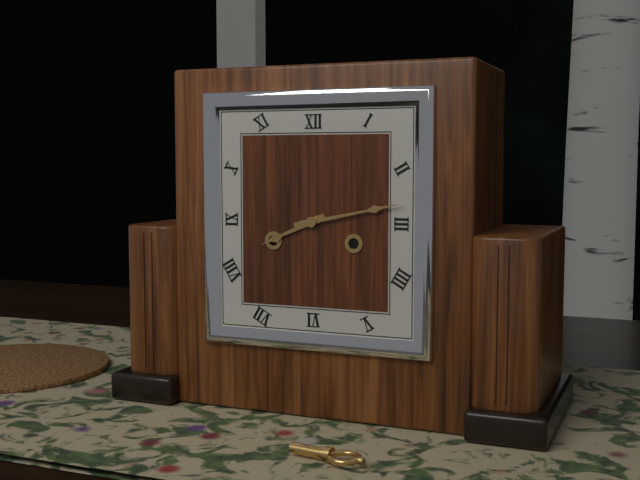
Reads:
{"hour": 8, "minute": 13}
